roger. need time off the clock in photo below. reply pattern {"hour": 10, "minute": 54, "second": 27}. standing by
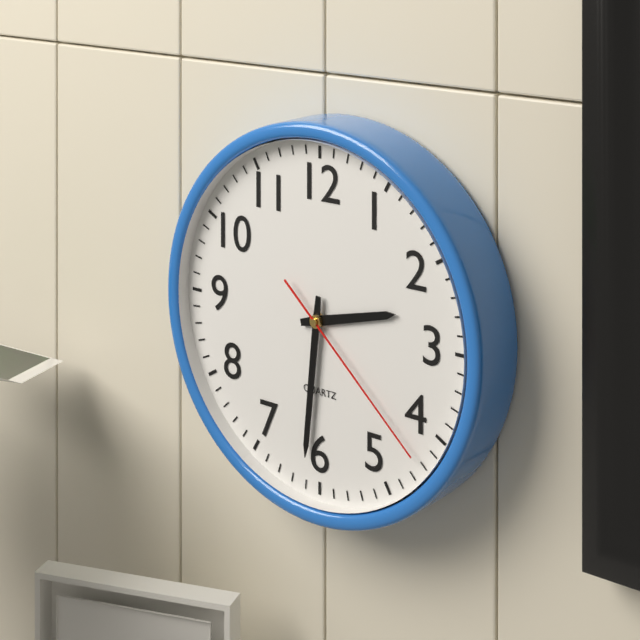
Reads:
{"hour": 2, "minute": 31, "second": 22}
